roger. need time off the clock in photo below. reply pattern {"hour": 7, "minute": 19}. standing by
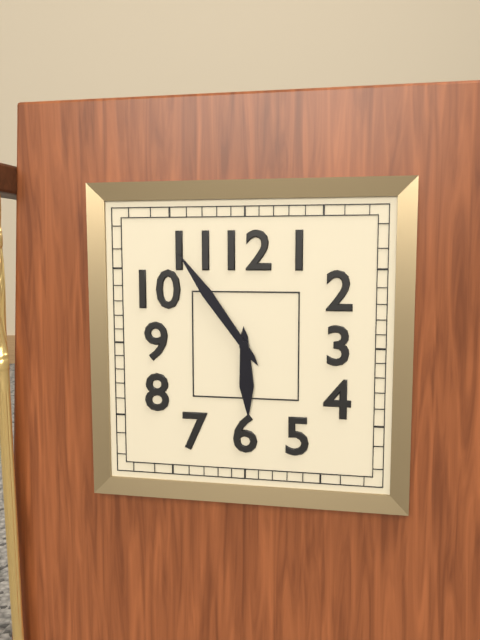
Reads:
{"hour": 5, "minute": 54}
